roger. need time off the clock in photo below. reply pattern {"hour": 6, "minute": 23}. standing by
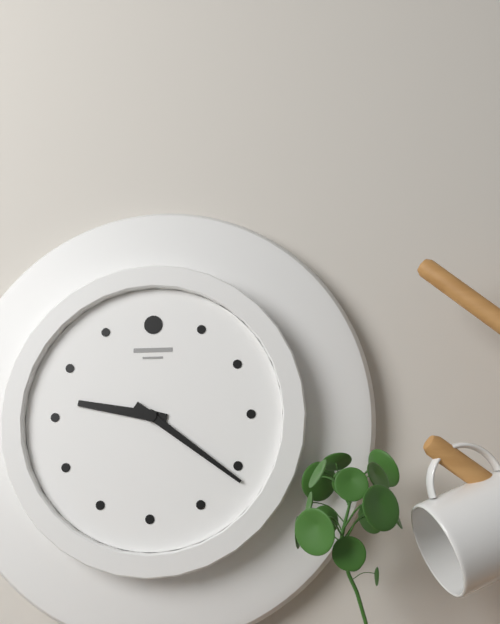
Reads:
{"hour": 9, "minute": 21}
